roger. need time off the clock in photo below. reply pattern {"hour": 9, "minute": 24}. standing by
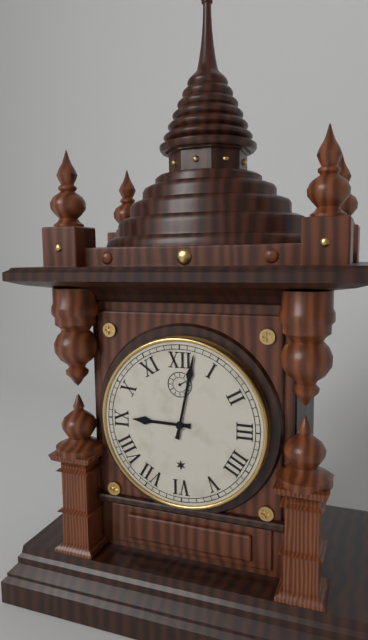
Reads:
{"hour": 9, "minute": 2}
